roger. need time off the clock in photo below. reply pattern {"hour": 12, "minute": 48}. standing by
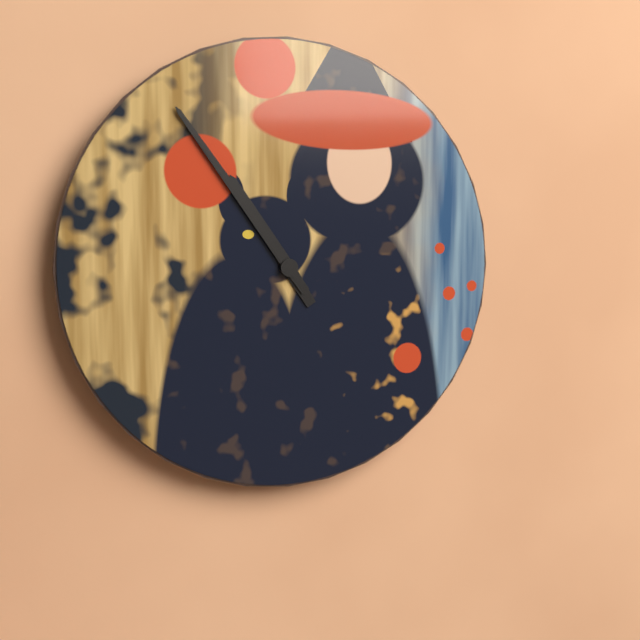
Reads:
{"hour": 10, "minute": 54}
